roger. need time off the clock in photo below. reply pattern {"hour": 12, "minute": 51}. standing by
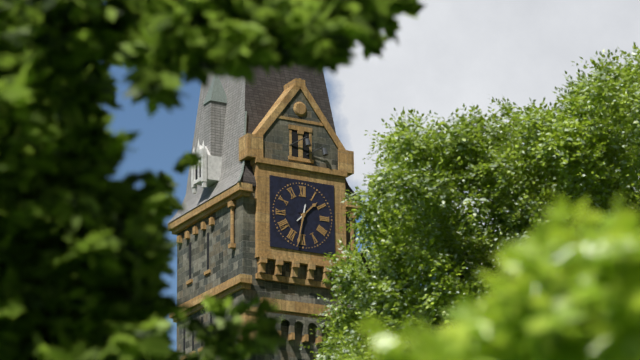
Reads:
{"hour": 1, "minute": 32}
